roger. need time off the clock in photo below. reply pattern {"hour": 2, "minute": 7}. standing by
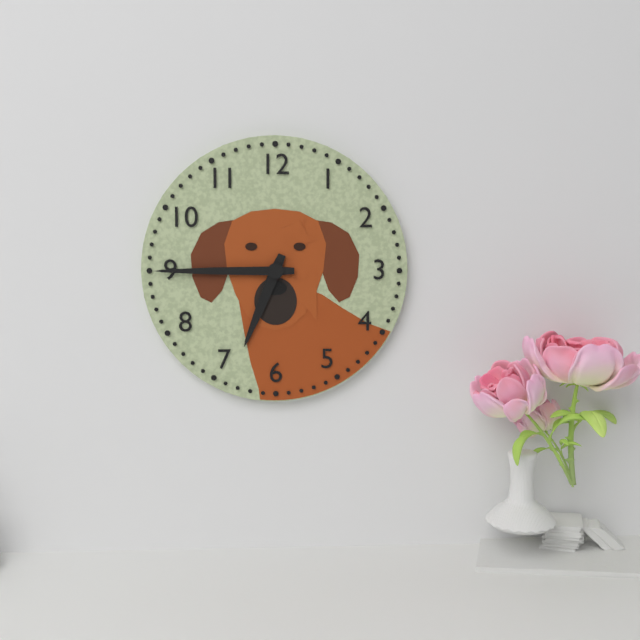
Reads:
{"hour": 6, "minute": 45}
